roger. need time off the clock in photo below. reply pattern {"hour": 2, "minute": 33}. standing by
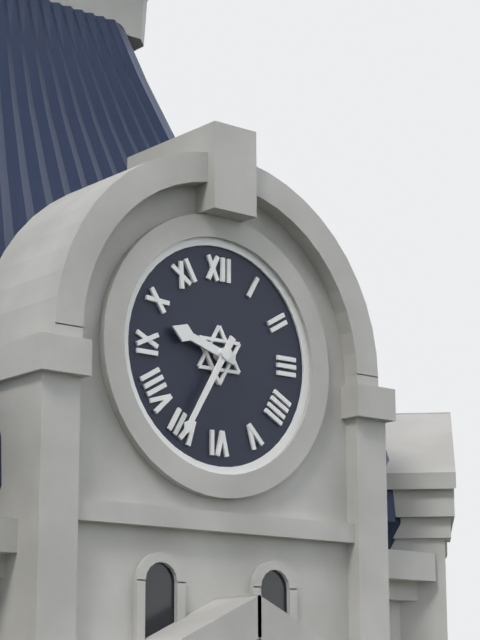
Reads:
{"hour": 9, "minute": 35}
